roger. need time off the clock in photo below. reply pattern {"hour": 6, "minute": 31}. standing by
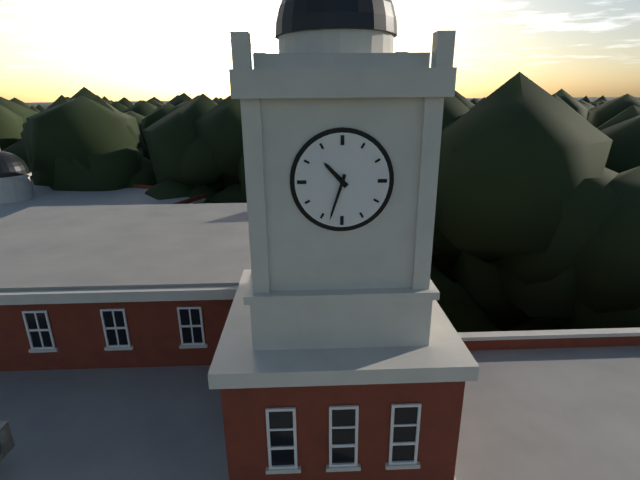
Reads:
{"hour": 10, "minute": 33}
